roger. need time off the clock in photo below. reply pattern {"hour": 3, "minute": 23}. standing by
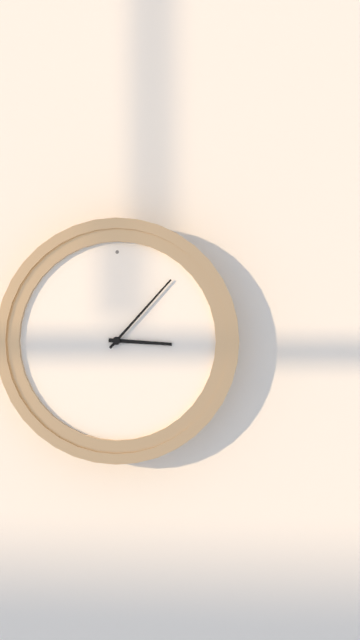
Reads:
{"hour": 3, "minute": 7}
